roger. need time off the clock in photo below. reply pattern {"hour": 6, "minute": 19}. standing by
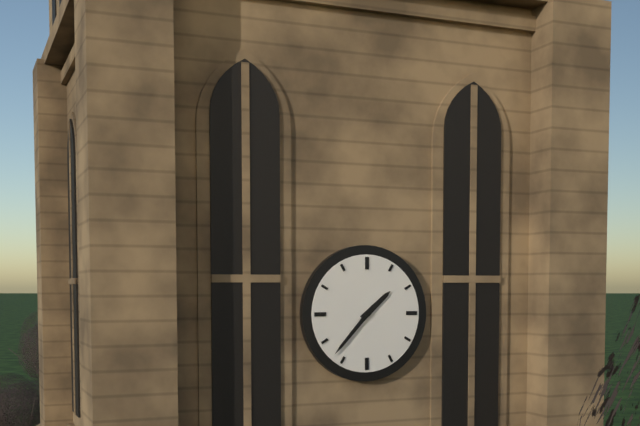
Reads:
{"hour": 1, "minute": 37}
